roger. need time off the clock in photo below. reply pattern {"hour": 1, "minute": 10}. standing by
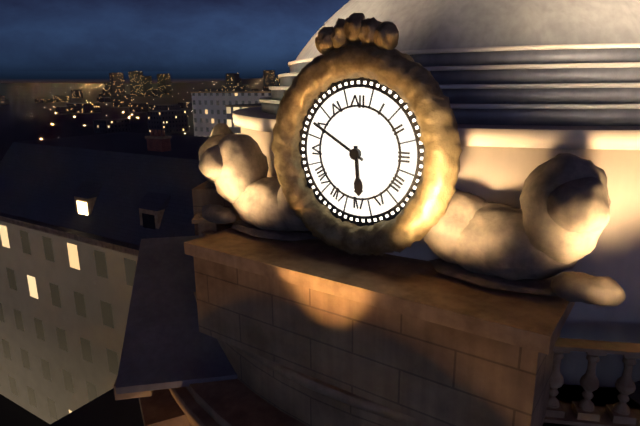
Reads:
{"hour": 5, "minute": 50}
